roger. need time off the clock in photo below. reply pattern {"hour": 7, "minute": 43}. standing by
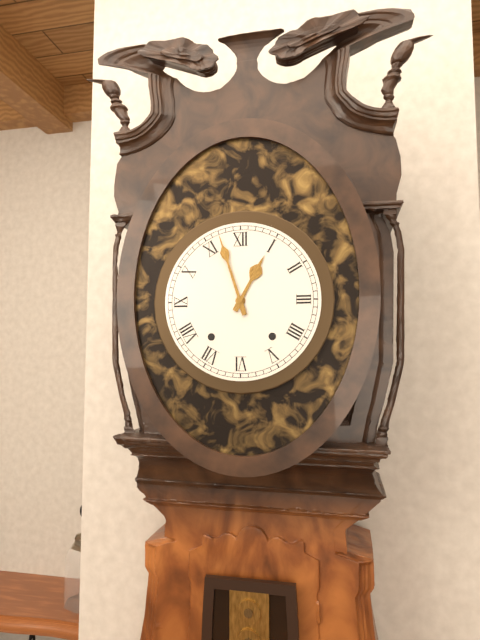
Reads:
{"hour": 12, "minute": 57}
